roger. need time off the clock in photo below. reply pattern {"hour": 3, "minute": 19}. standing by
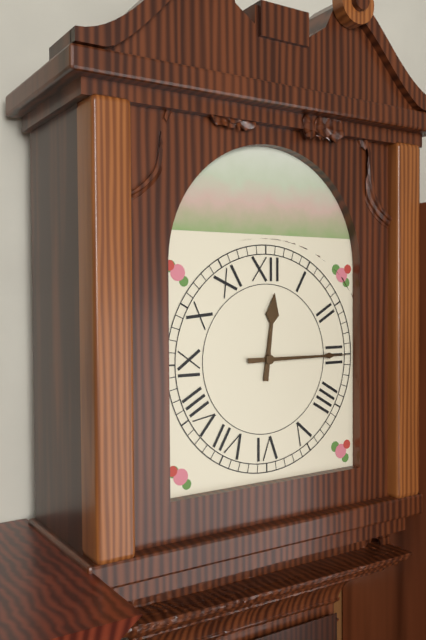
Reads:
{"hour": 12, "minute": 15}
